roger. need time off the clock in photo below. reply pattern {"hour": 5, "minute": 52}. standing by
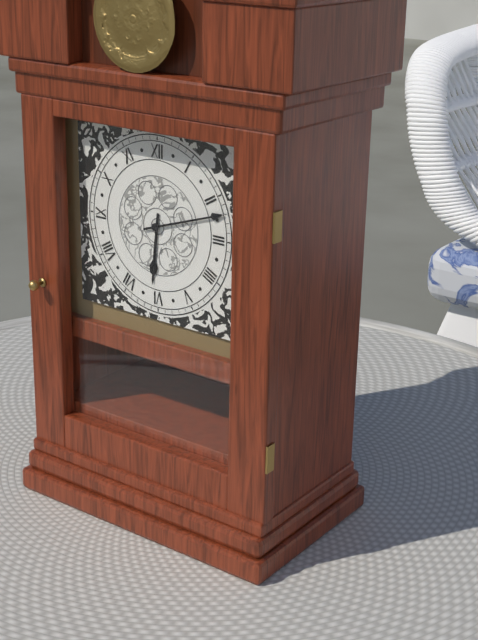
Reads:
{"hour": 6, "minute": 12}
